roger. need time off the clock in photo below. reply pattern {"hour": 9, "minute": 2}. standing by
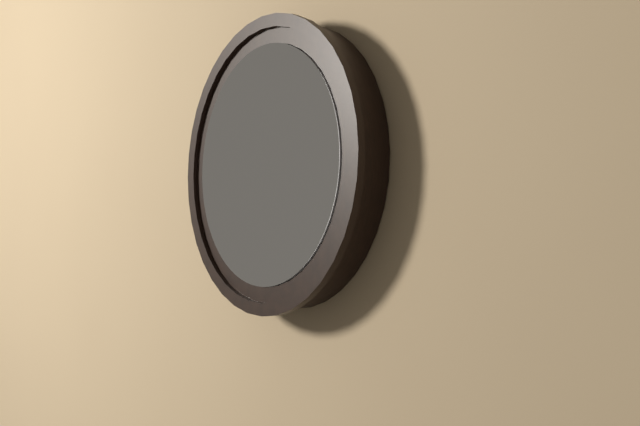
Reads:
{"hour": 1, "minute": 37}
